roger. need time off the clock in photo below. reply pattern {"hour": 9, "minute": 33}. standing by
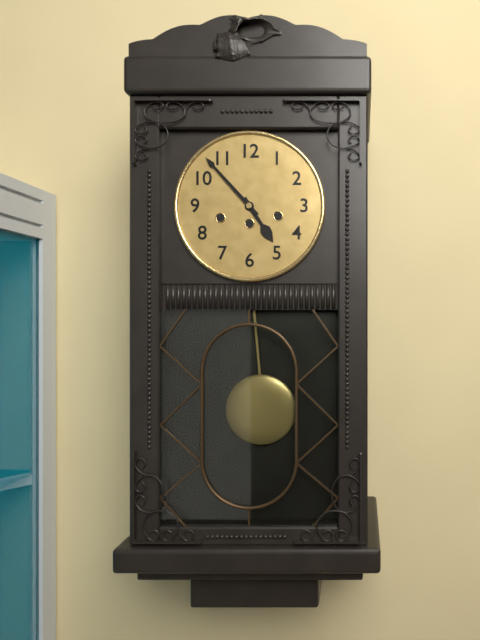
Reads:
{"hour": 4, "minute": 53}
